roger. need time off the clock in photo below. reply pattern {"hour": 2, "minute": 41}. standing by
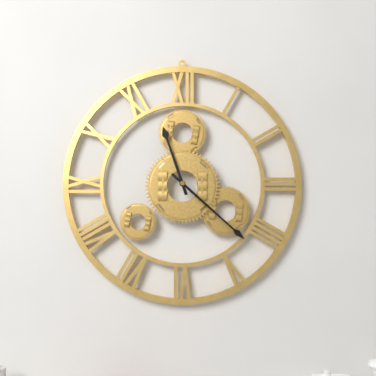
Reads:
{"hour": 11, "minute": 22}
